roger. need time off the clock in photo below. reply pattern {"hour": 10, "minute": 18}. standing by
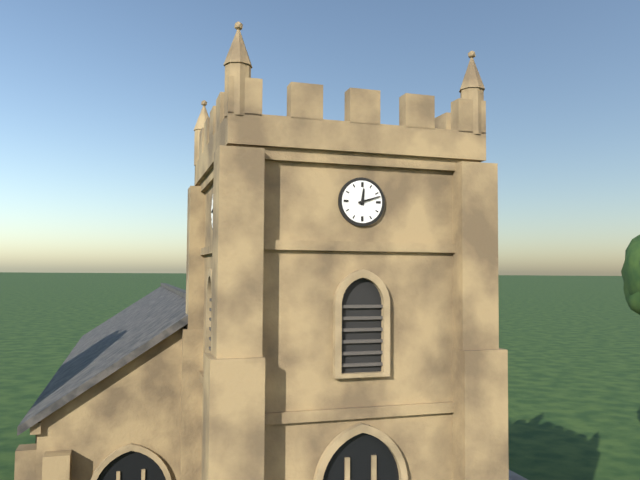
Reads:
{"hour": 12, "minute": 12}
